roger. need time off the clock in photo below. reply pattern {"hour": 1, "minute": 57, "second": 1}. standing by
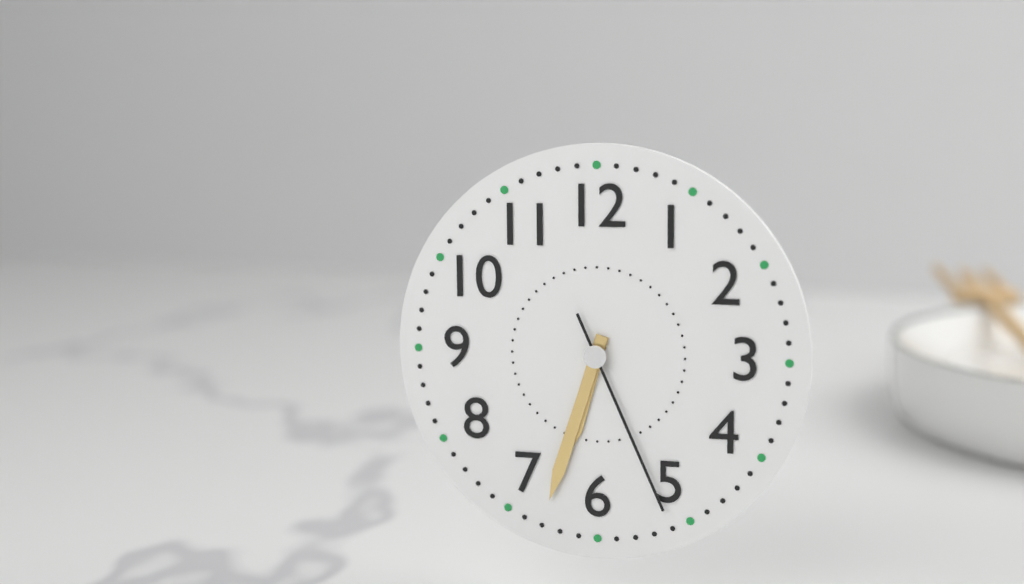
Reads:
{"hour": 6, "minute": 33, "second": 26}
